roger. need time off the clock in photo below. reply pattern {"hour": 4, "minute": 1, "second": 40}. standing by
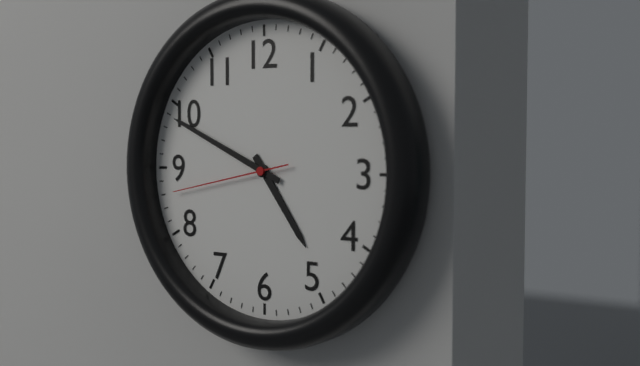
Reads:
{"hour": 4, "minute": 49, "second": 43}
